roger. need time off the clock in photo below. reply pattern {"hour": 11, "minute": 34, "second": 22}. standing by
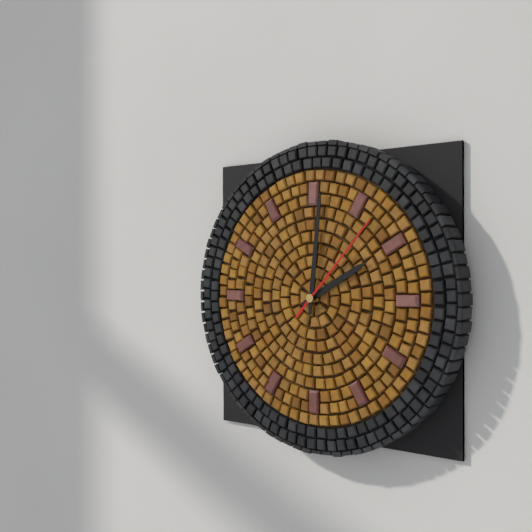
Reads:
{"hour": 2, "minute": 1, "second": 7}
